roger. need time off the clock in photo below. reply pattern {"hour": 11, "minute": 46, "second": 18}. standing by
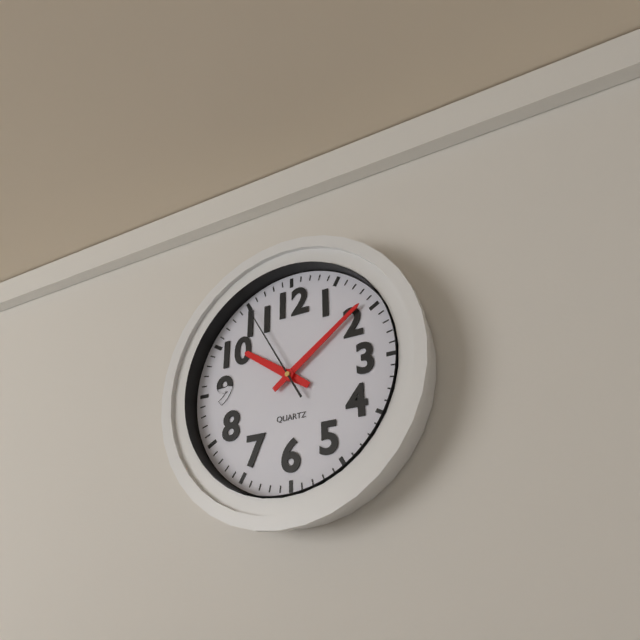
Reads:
{"hour": 10, "minute": 9, "second": 55}
